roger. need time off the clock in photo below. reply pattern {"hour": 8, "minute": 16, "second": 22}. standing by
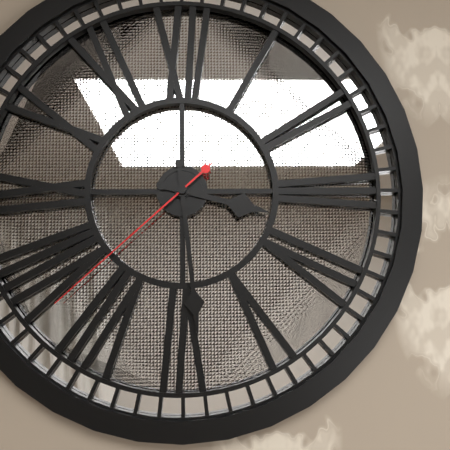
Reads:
{"hour": 3, "minute": 29, "second": 38}
